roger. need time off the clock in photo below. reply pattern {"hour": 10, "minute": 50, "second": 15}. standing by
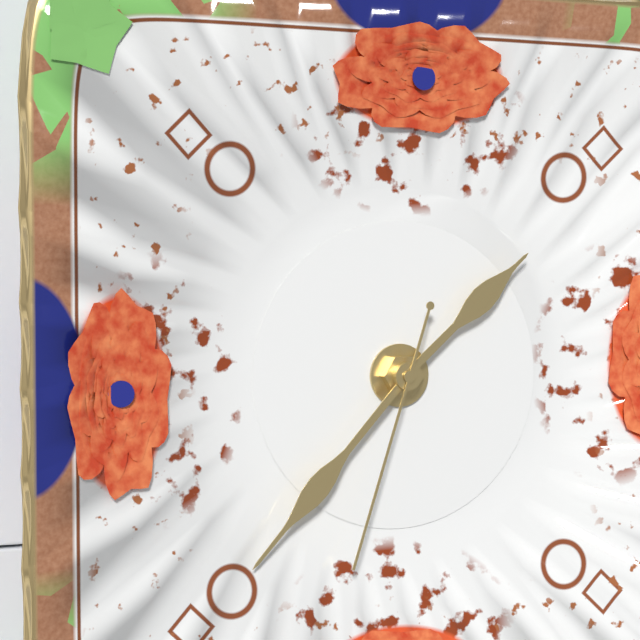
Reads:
{"hour": 1, "minute": 37, "second": 33}
